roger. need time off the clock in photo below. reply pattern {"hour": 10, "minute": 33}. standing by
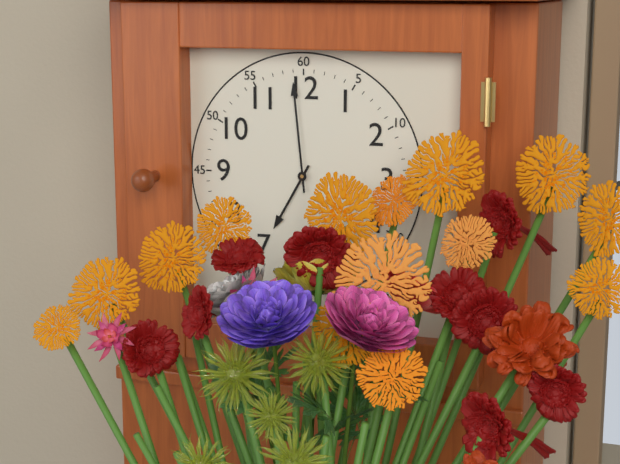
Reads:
{"hour": 6, "minute": 59}
